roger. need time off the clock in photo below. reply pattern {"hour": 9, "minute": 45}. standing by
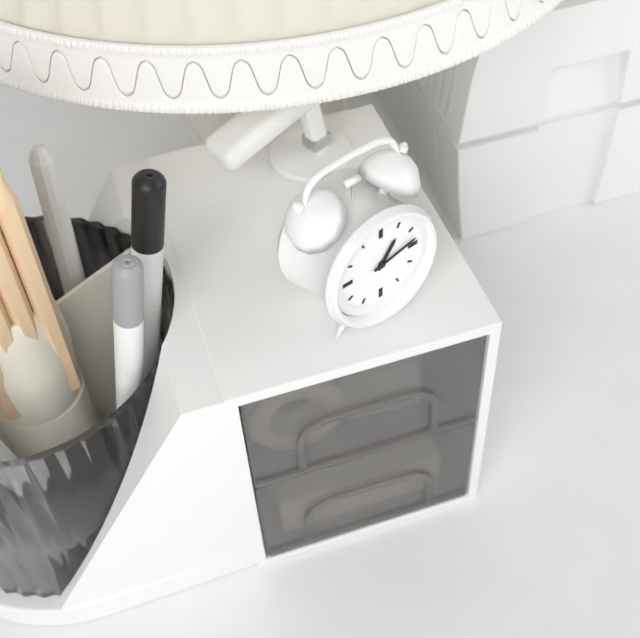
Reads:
{"hour": 1, "minute": 13}
